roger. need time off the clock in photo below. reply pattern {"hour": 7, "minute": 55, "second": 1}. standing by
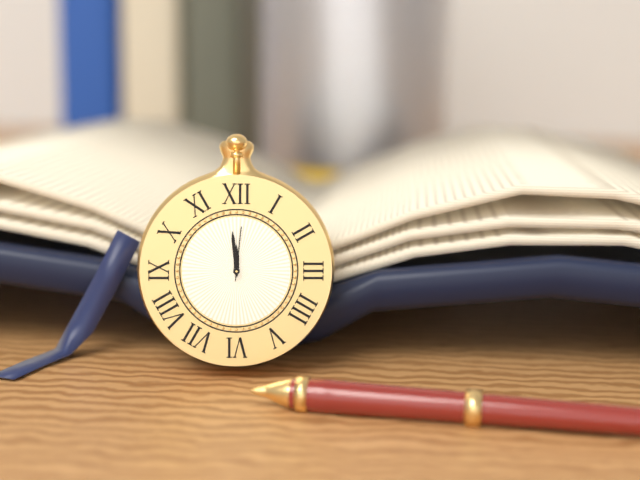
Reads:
{"hour": 11, "minute": 59, "second": 1}
